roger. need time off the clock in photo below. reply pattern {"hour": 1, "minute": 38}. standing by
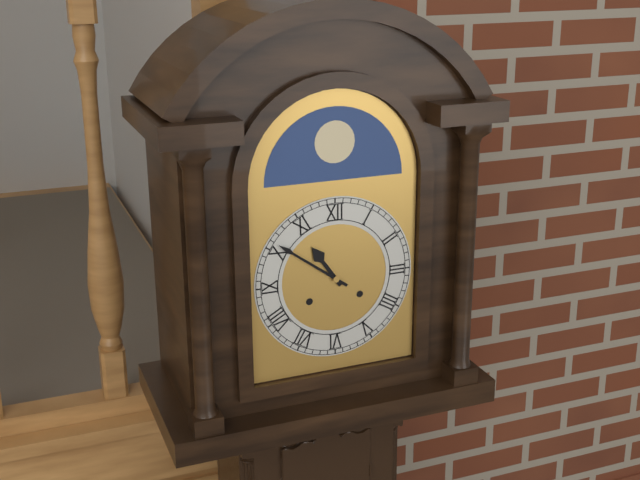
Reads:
{"hour": 10, "minute": 51}
